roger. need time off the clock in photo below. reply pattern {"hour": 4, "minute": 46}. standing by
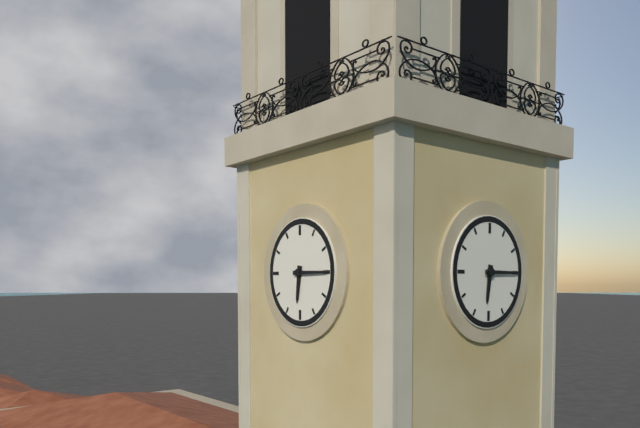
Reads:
{"hour": 6, "minute": 15}
